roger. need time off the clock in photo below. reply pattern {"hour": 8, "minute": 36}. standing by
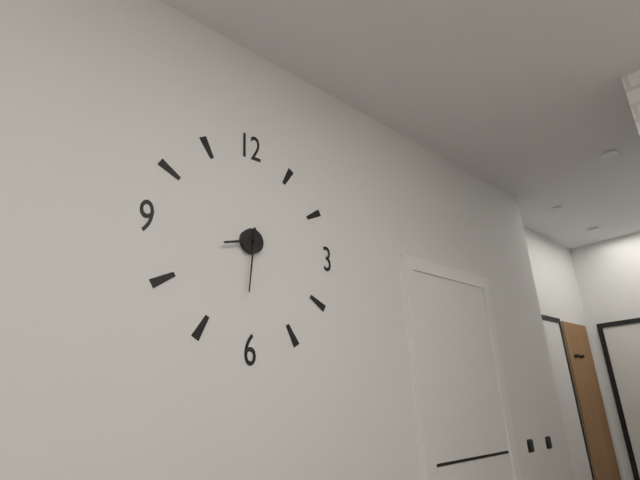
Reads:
{"hour": 8, "minute": 31}
